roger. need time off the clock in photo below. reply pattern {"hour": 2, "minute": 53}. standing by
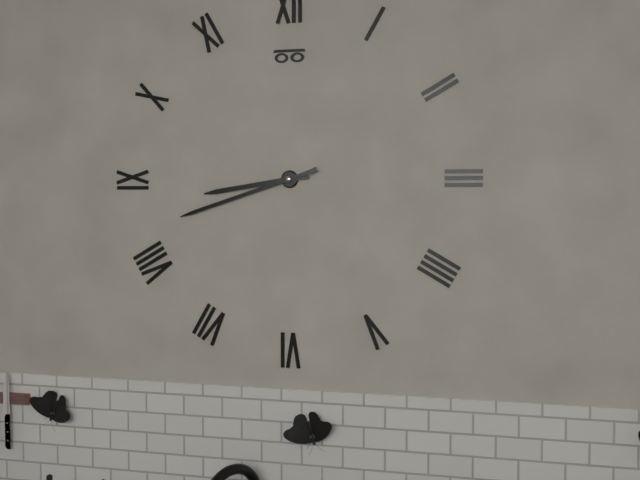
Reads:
{"hour": 8, "minute": 42}
